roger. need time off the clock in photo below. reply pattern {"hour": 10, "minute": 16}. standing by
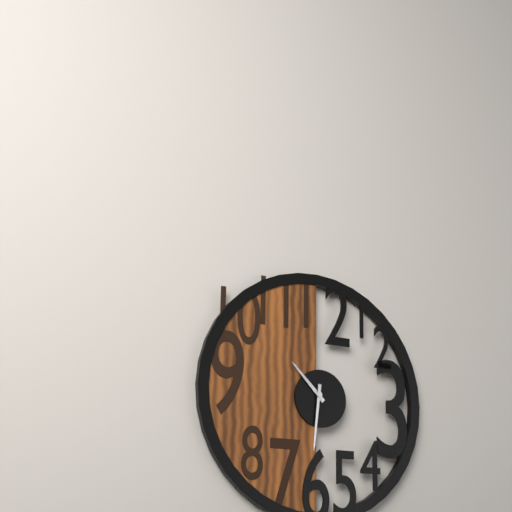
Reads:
{"hour": 10, "minute": 31}
